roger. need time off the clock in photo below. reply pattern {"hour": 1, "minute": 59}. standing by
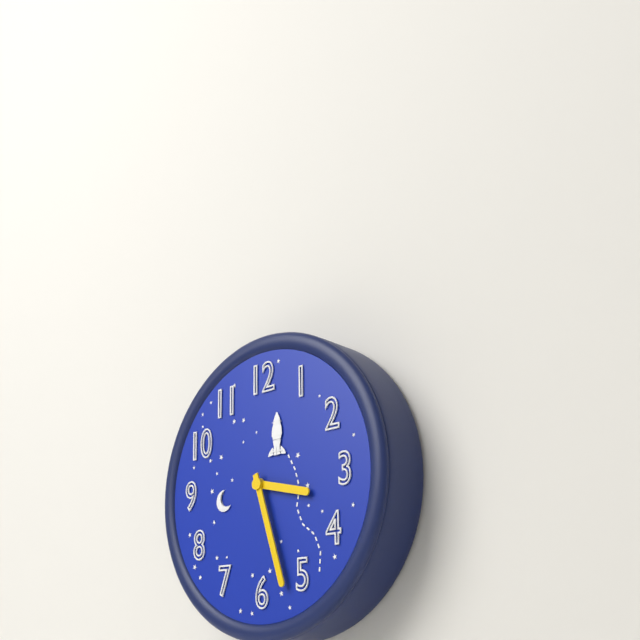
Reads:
{"hour": 3, "minute": 27}
